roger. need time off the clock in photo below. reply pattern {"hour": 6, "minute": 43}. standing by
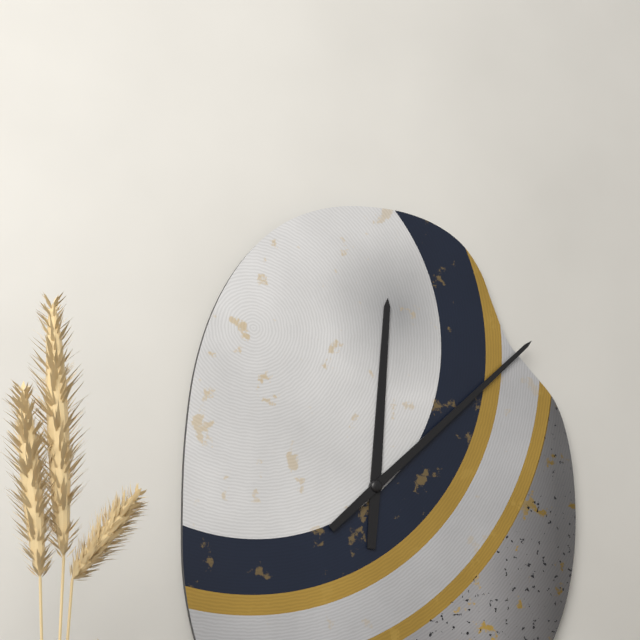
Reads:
{"hour": 12, "minute": 8}
